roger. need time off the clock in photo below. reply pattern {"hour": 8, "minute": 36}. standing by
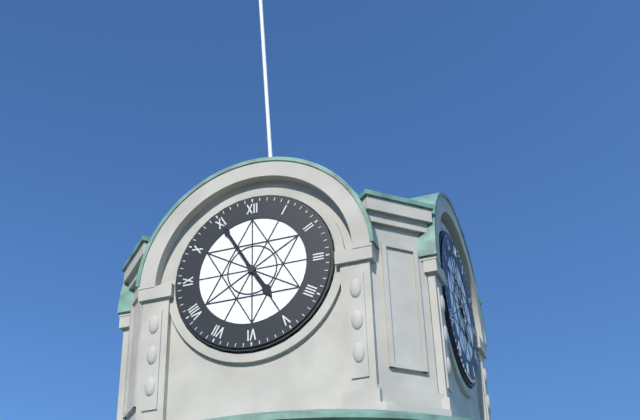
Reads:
{"hour": 4, "minute": 55}
